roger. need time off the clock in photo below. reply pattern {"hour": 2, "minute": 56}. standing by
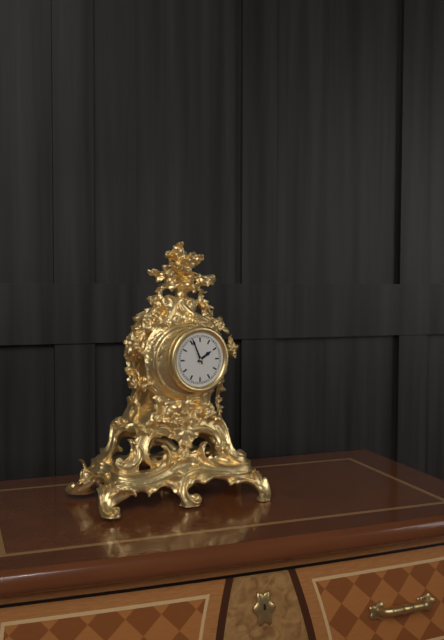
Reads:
{"hour": 1, "minute": 56}
